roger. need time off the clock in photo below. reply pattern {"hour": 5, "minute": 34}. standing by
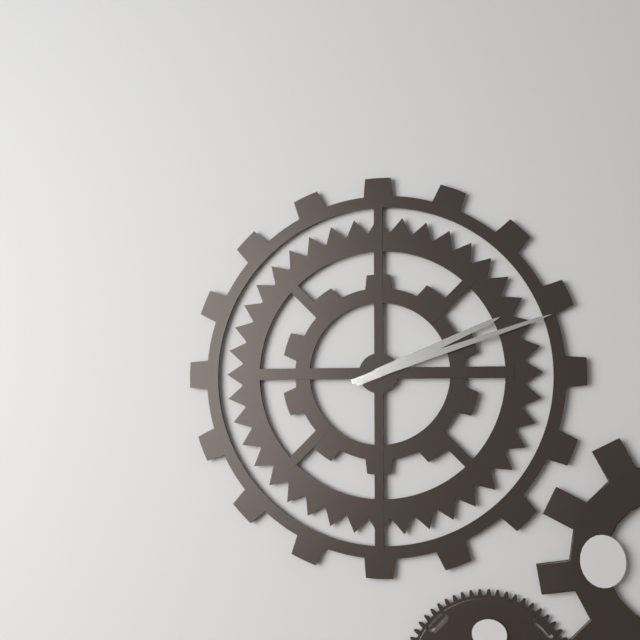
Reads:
{"hour": 2, "minute": 12}
